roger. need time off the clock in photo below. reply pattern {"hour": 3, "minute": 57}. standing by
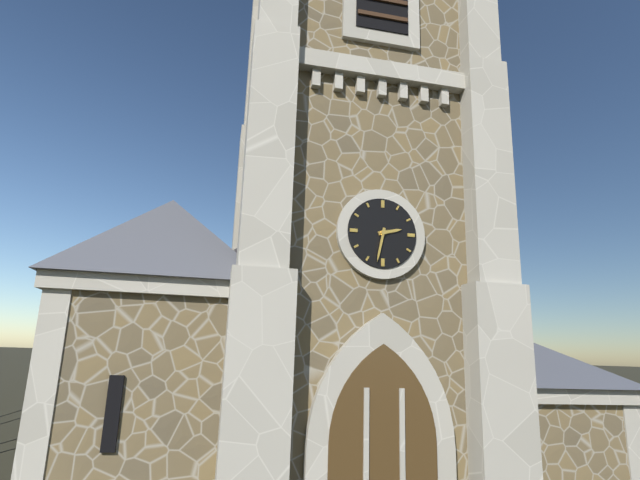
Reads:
{"hour": 2, "minute": 32}
